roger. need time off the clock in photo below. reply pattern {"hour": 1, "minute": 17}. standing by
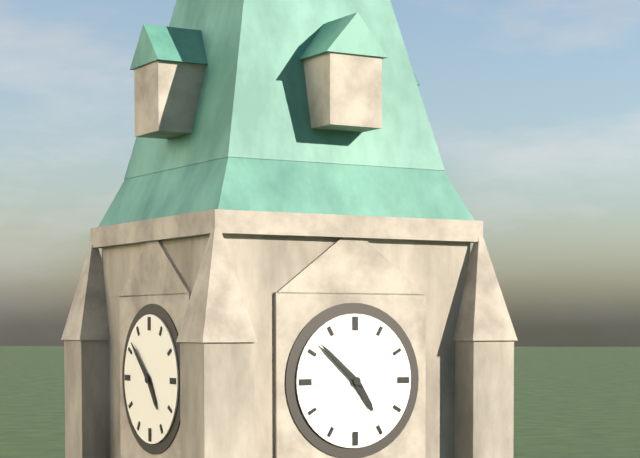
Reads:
{"hour": 4, "minute": 52}
